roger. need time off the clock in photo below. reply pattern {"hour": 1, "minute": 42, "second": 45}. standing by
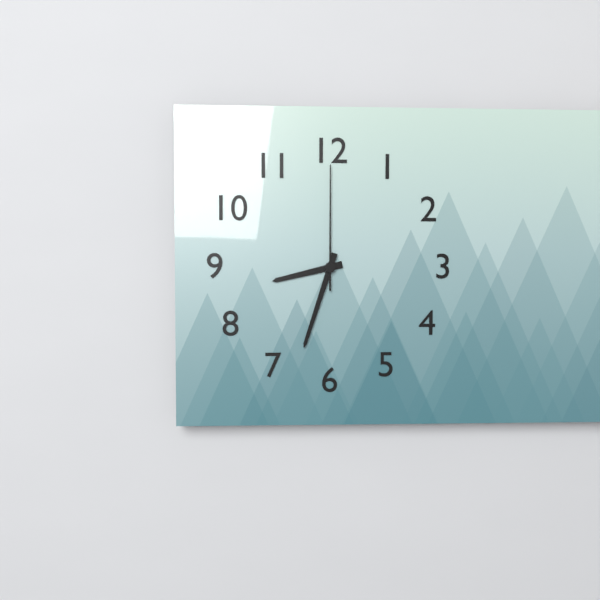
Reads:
{"hour": 8, "minute": 33, "second": 0}
